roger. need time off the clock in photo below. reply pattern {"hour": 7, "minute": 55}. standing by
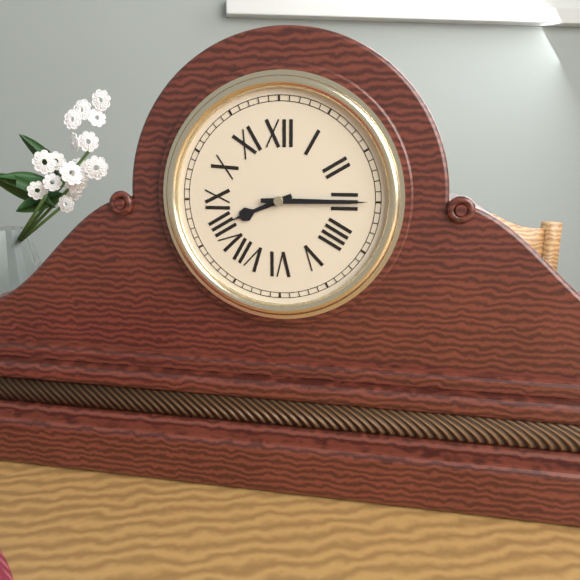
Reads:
{"hour": 8, "minute": 15}
